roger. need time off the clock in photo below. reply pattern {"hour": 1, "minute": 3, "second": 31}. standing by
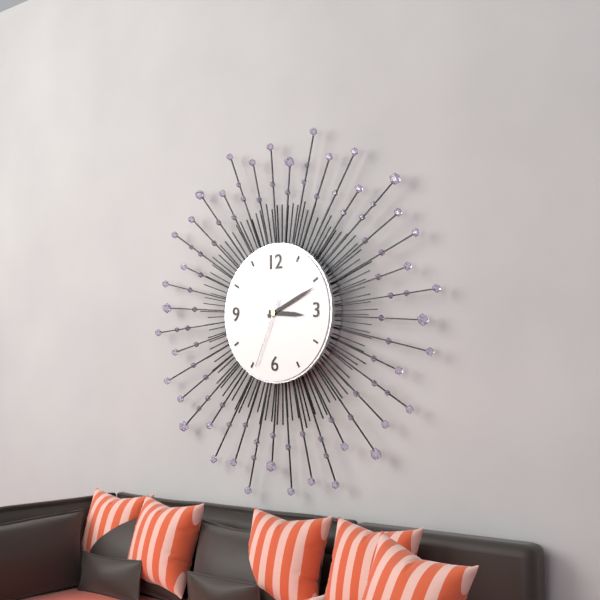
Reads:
{"hour": 3, "minute": 11, "second": 34}
